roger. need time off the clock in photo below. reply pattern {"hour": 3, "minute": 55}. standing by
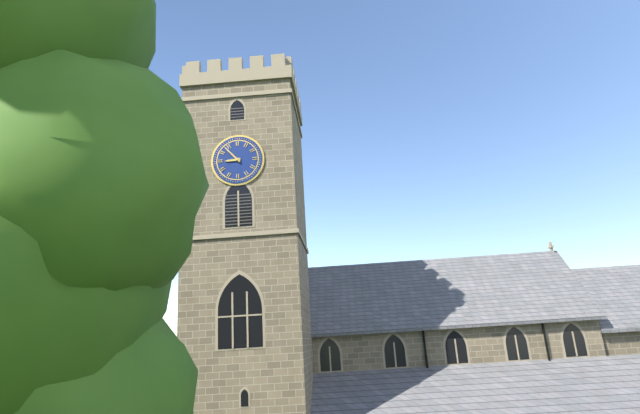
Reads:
{"hour": 8, "minute": 53}
